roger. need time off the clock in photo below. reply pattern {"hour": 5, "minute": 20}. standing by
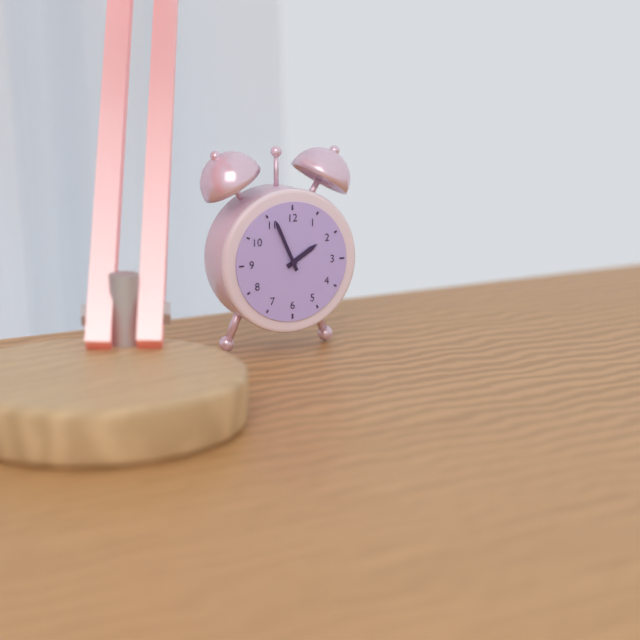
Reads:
{"hour": 1, "minute": 56}
